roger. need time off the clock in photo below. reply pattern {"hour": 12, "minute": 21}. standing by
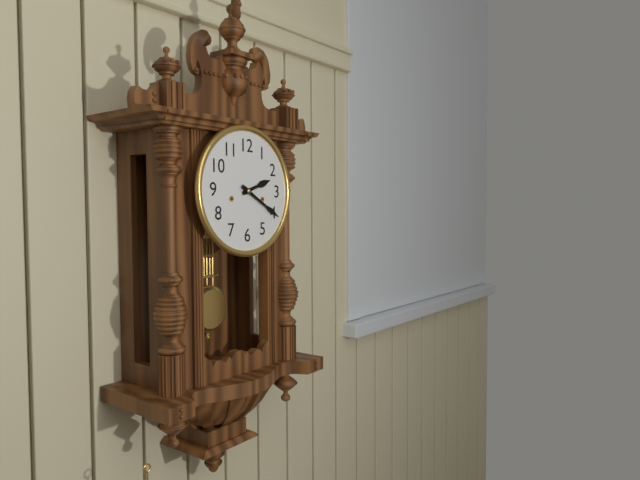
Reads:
{"hour": 2, "minute": 20}
